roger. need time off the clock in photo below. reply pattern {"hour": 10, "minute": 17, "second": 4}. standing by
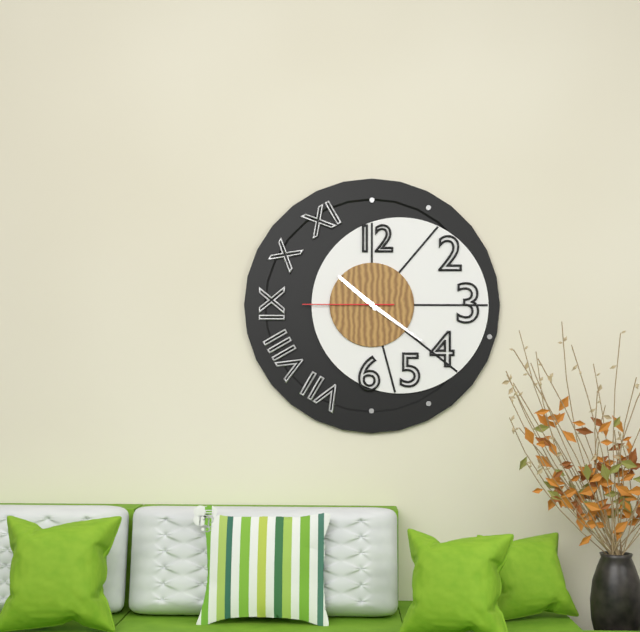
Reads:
{"hour": 10, "minute": 21, "second": 45}
